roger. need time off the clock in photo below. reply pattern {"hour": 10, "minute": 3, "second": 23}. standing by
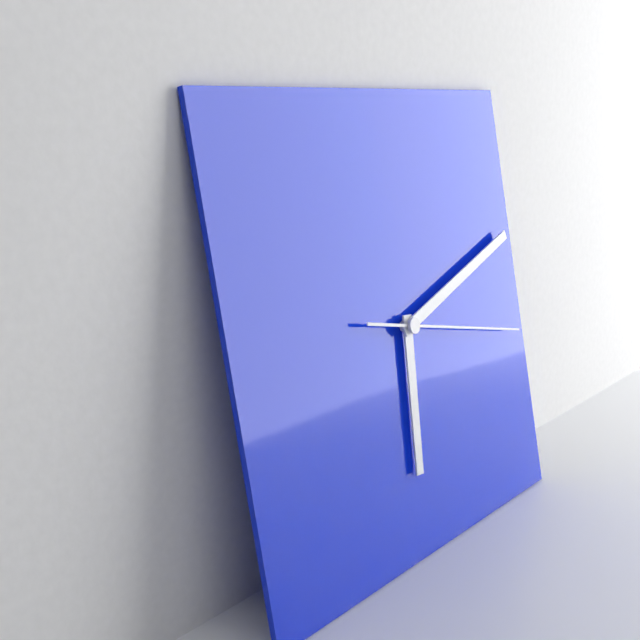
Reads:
{"hour": 6, "minute": 12, "second": 17}
